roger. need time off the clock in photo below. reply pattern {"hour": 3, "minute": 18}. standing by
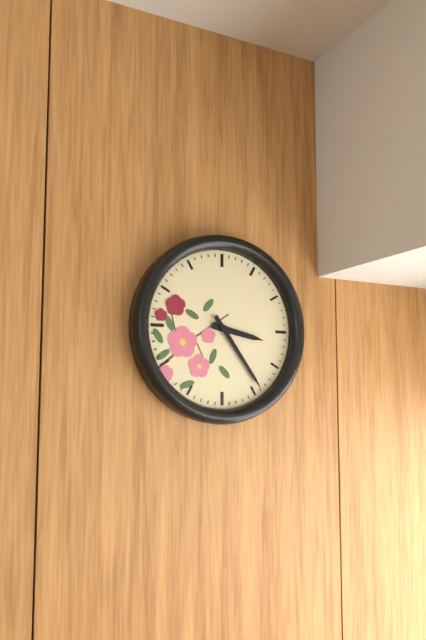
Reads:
{"hour": 3, "minute": 24}
